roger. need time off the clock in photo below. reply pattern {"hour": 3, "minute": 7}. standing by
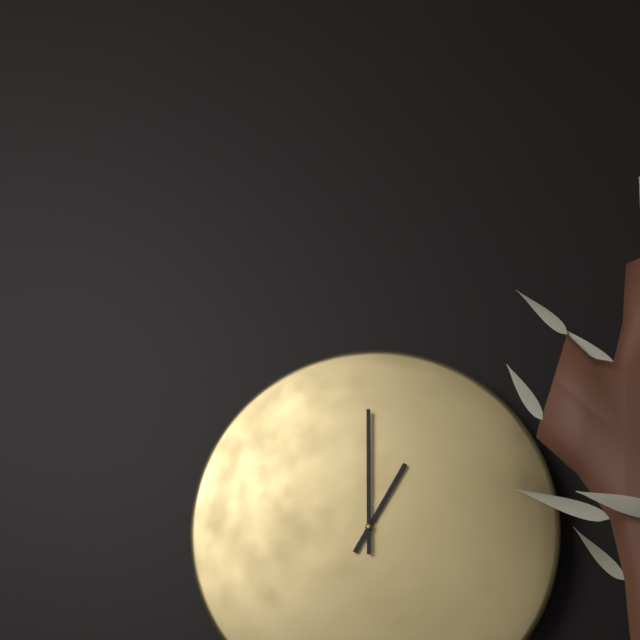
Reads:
{"hour": 1, "minute": 0}
